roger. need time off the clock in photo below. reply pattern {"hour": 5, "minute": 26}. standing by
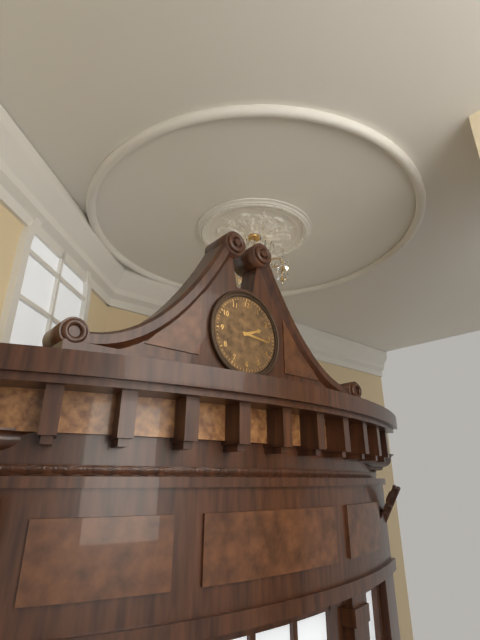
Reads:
{"hour": 2, "minute": 16}
